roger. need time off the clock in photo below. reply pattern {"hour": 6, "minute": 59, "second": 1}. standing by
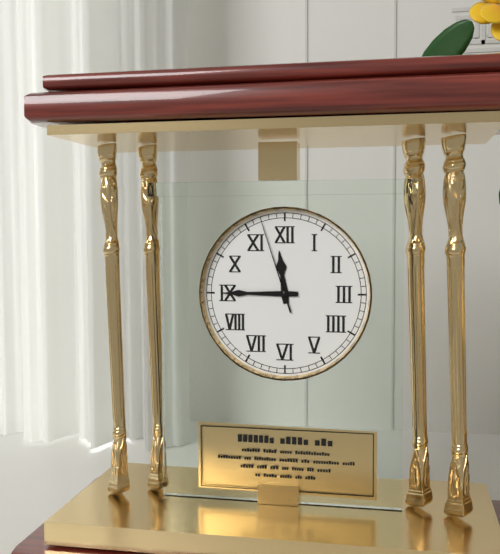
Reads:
{"hour": 11, "minute": 45, "second": 57}
